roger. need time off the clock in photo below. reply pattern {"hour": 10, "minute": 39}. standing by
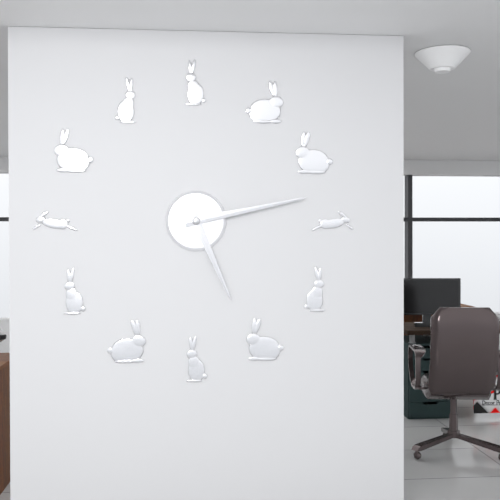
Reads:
{"hour": 5, "minute": 13}
